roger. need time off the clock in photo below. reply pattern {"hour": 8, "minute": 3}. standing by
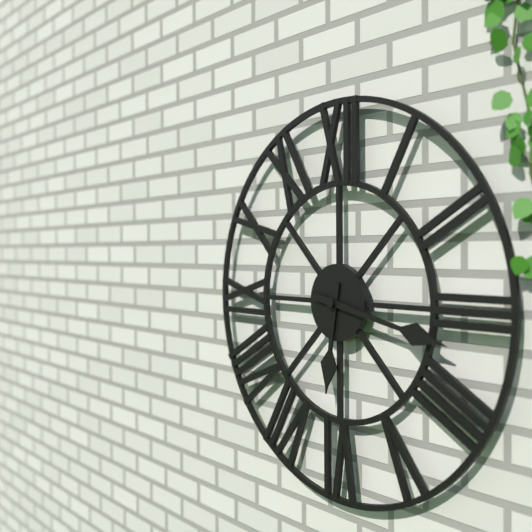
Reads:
{"hour": 6, "minute": 17}
